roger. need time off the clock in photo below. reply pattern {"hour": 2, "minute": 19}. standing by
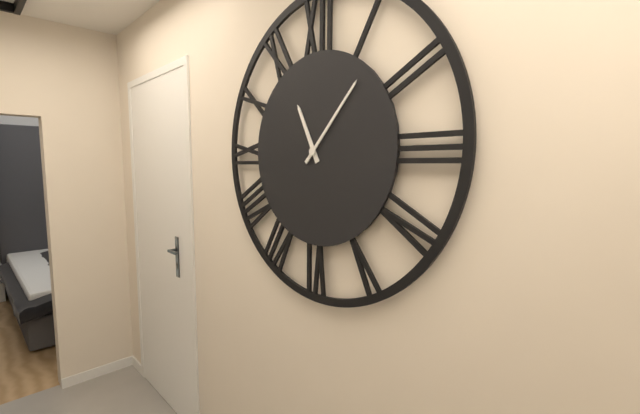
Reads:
{"hour": 11, "minute": 7}
